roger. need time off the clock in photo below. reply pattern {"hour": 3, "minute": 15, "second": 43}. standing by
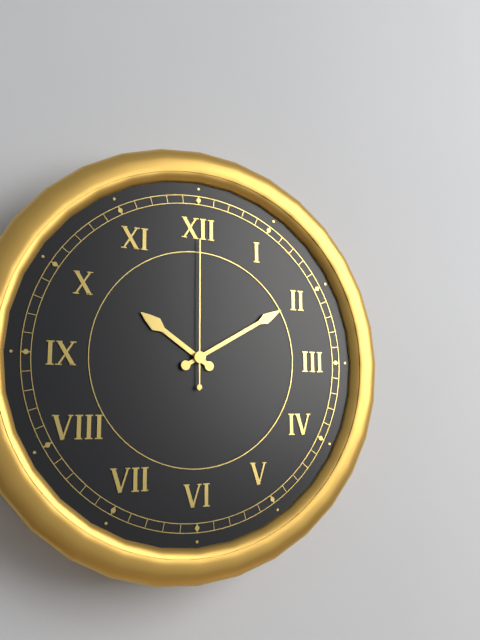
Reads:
{"hour": 10, "minute": 10, "second": 0}
